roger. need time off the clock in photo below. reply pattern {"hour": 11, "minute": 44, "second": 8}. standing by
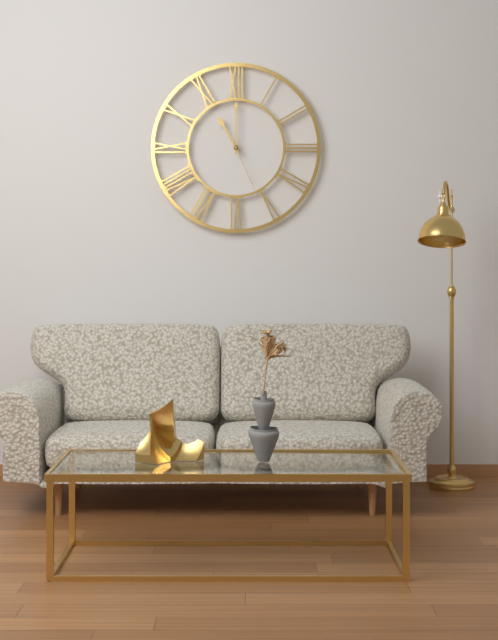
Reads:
{"hour": 11, "minute": 0, "second": 26}
